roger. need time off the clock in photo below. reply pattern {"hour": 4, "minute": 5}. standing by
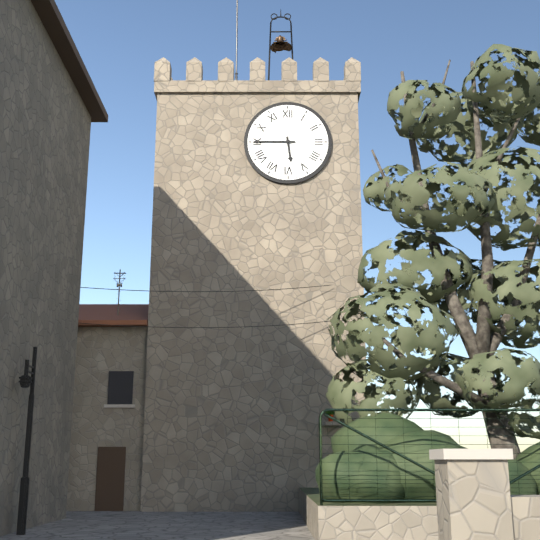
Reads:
{"hour": 5, "minute": 45}
